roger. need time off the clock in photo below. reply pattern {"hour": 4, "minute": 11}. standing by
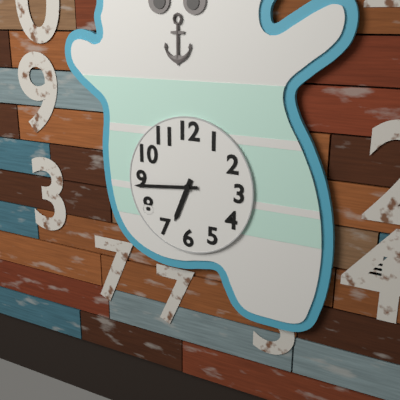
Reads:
{"hour": 6, "minute": 44}
